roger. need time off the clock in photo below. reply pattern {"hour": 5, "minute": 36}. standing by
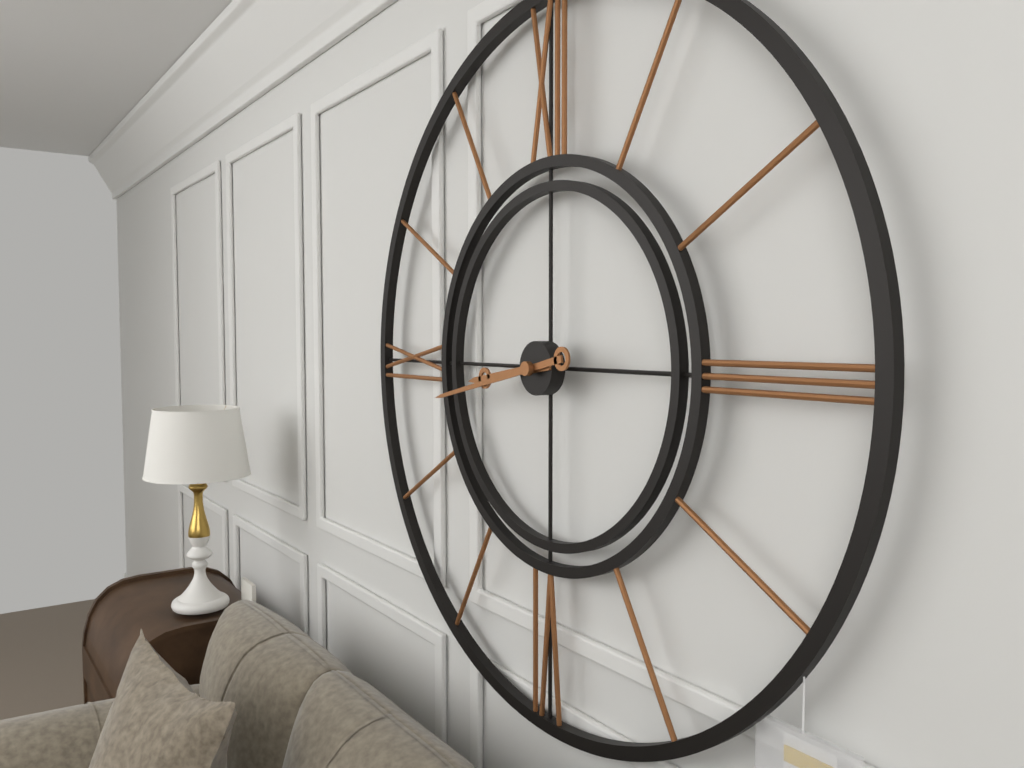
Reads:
{"hour": 8, "minute": 43}
